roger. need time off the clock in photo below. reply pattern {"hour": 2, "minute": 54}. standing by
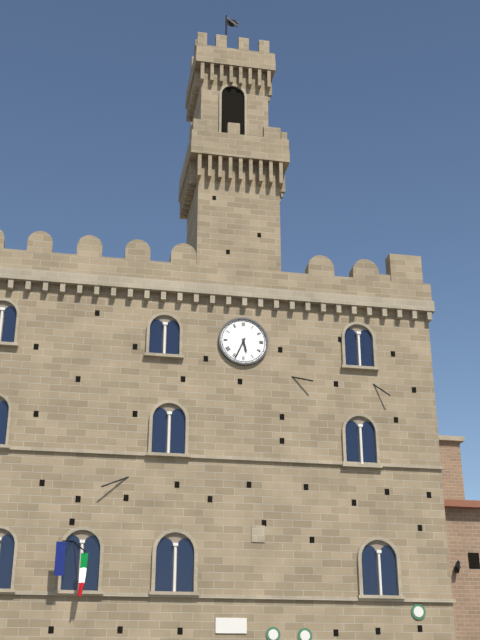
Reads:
{"hour": 5, "minute": 34}
